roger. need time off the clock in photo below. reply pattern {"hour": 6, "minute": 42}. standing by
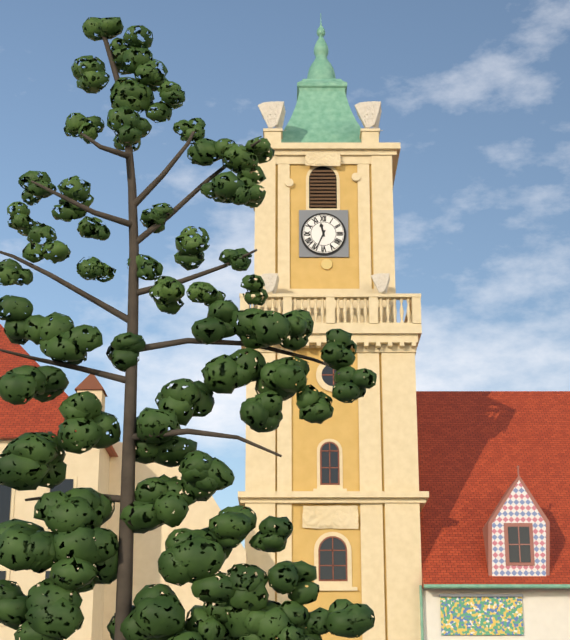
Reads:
{"hour": 11, "minute": 34}
